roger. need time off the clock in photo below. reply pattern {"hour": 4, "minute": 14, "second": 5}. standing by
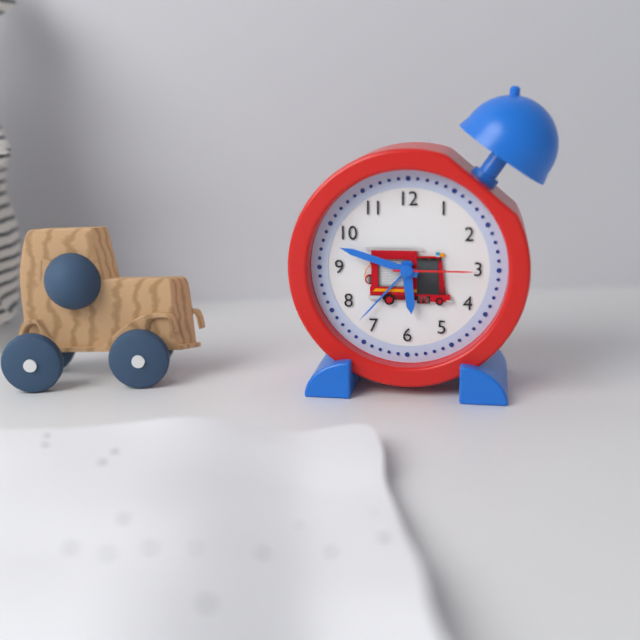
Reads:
{"hour": 5, "minute": 48, "second": 15}
